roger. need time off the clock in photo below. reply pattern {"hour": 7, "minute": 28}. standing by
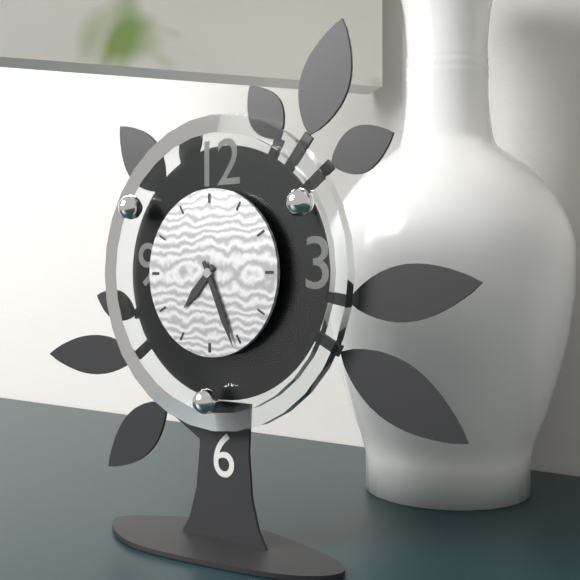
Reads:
{"hour": 7, "minute": 26}
